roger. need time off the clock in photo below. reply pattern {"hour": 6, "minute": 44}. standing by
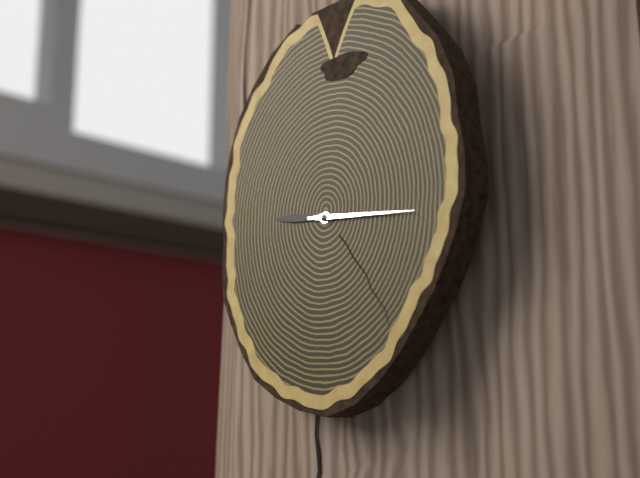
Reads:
{"hour": 9, "minute": 16}
